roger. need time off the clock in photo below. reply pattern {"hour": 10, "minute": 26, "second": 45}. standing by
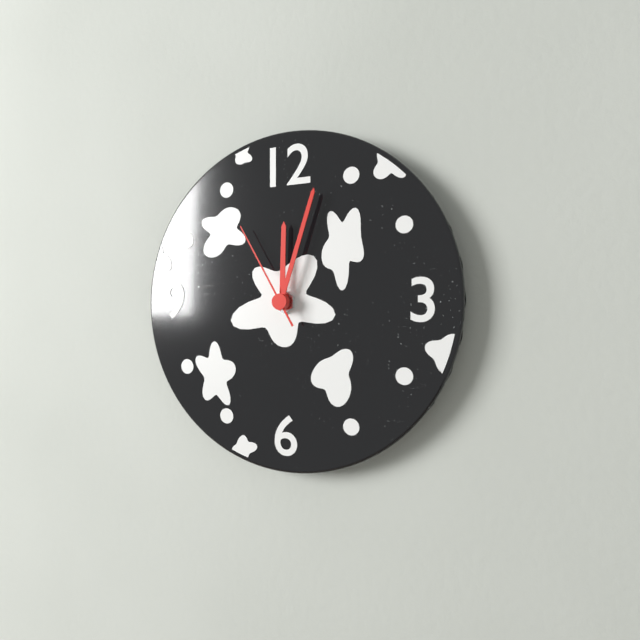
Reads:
{"hour": 12, "minute": 3, "second": 55}
